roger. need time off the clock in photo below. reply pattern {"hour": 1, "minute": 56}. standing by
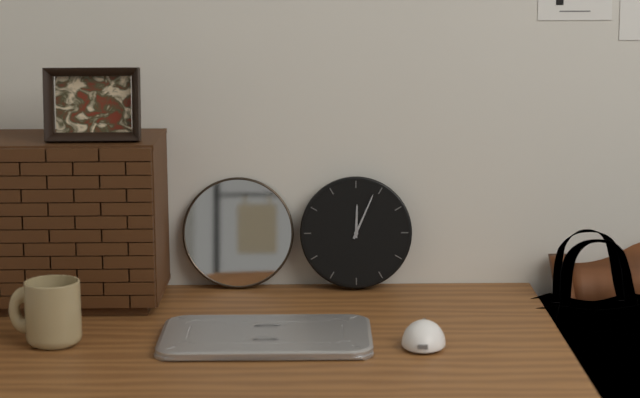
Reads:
{"hour": 12, "minute": 4}
